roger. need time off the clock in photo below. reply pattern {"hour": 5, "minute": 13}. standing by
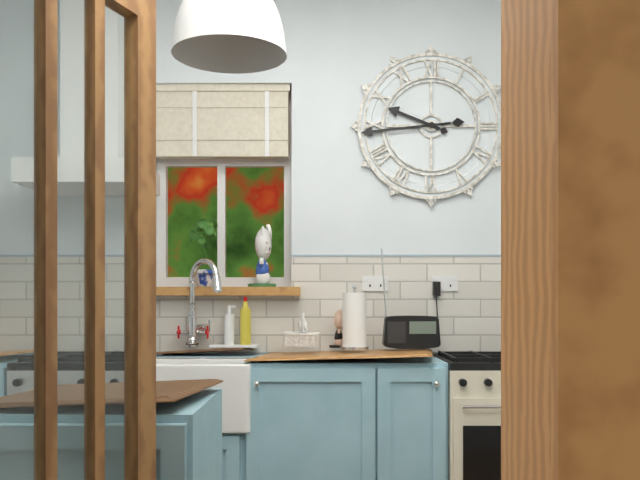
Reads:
{"hour": 9, "minute": 44}
